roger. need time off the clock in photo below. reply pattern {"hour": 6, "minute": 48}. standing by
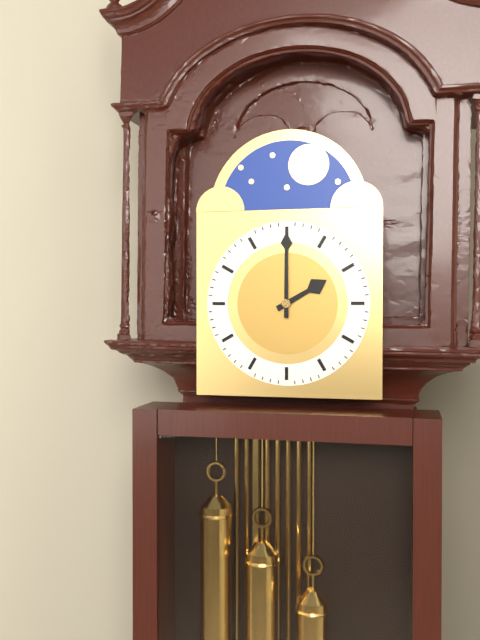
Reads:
{"hour": 2, "minute": 0}
